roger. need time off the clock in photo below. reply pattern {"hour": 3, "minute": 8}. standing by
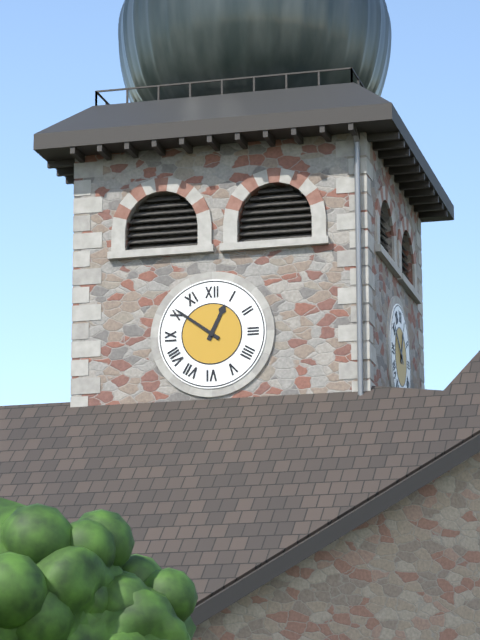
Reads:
{"hour": 12, "minute": 51}
